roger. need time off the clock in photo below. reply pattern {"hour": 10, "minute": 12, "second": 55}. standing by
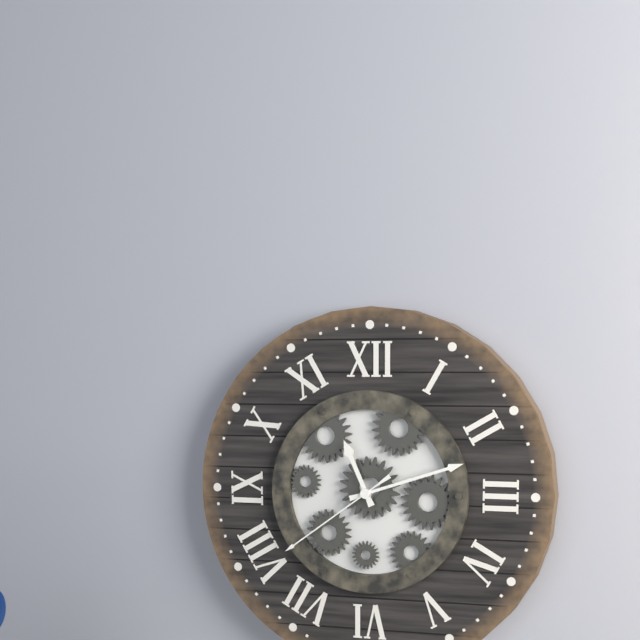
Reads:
{"hour": 11, "minute": 12, "second": 39}
